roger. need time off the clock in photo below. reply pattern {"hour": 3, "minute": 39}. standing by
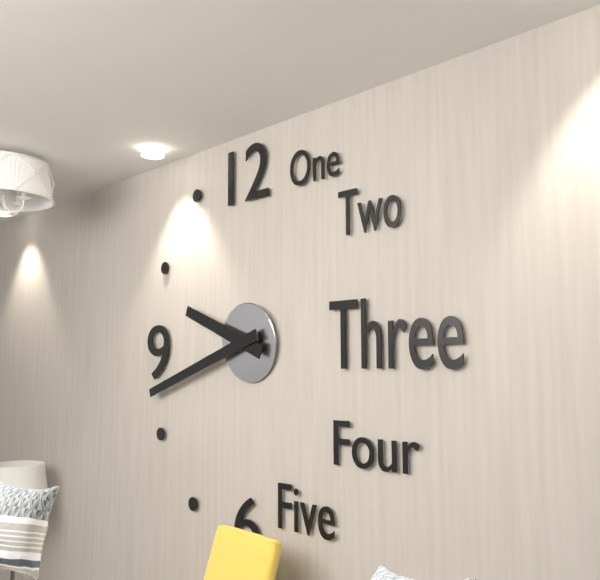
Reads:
{"hour": 9, "minute": 42}
